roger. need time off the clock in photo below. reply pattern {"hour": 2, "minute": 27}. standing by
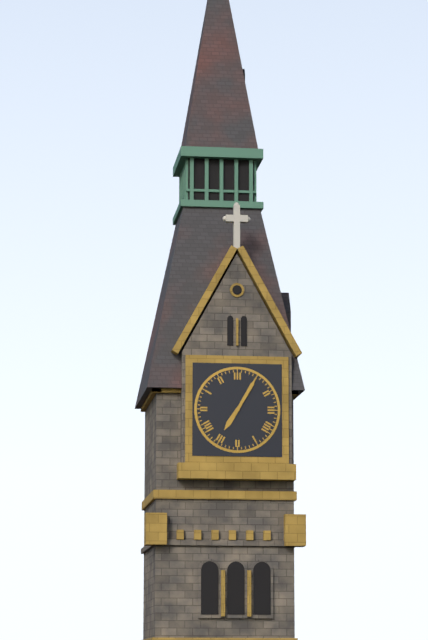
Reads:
{"hour": 7, "minute": 5}
